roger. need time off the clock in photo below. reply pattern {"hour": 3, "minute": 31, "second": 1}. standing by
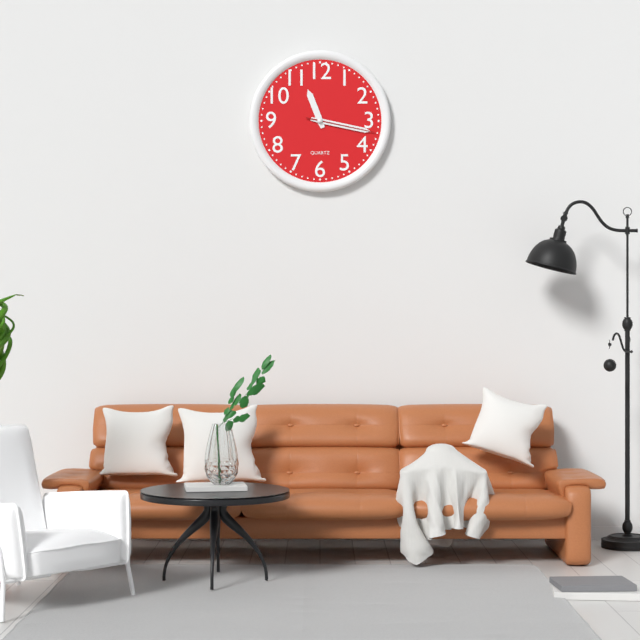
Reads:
{"hour": 11, "minute": 17, "second": 17}
